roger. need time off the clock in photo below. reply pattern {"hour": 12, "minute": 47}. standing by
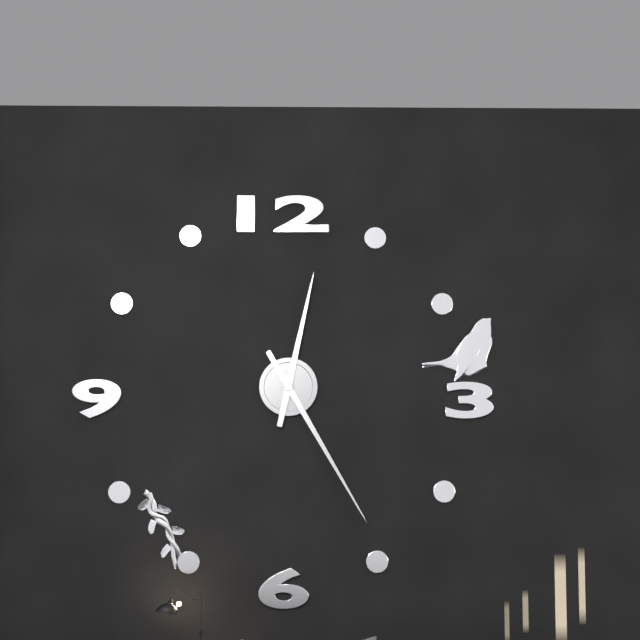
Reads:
{"hour": 12, "minute": 25}
